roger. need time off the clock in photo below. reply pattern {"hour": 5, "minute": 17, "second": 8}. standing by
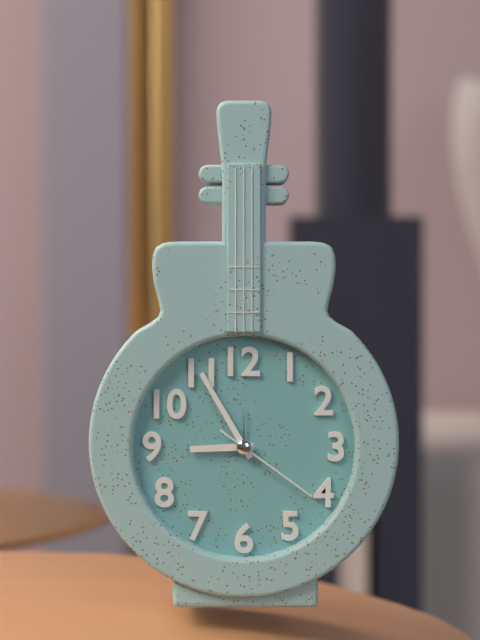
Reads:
{"hour": 8, "minute": 55, "second": 21}
